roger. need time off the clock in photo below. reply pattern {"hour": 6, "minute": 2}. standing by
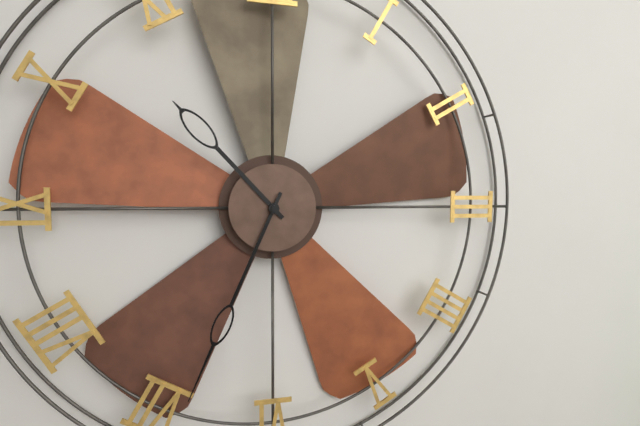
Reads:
{"hour": 10, "minute": 34}
